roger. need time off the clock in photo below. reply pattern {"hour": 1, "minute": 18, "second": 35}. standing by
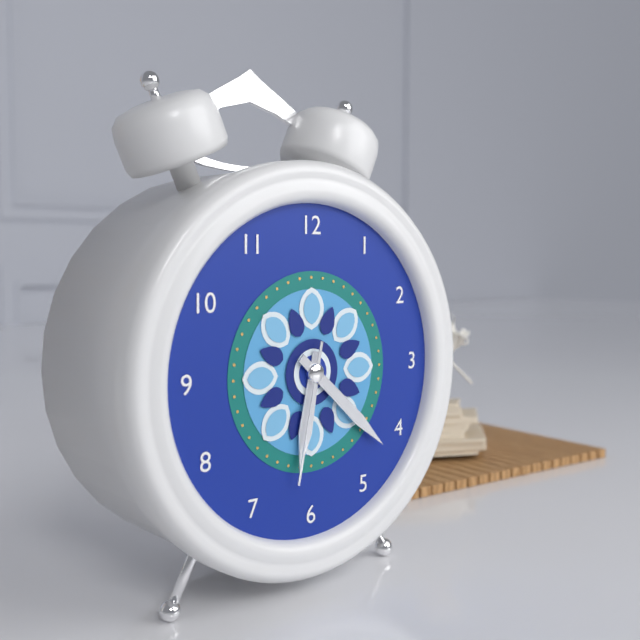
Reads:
{"hour": 6, "minute": 22, "second": 32}
